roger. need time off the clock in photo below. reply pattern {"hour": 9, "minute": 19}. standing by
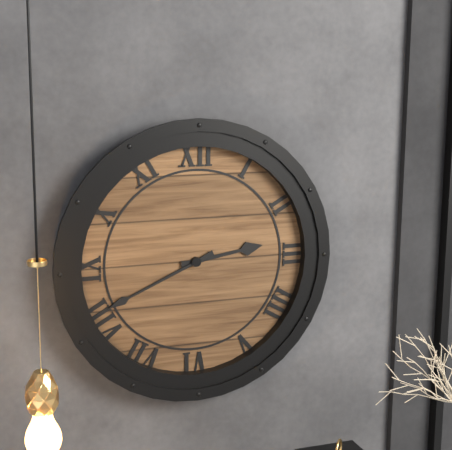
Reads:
{"hour": 2, "minute": 41}
